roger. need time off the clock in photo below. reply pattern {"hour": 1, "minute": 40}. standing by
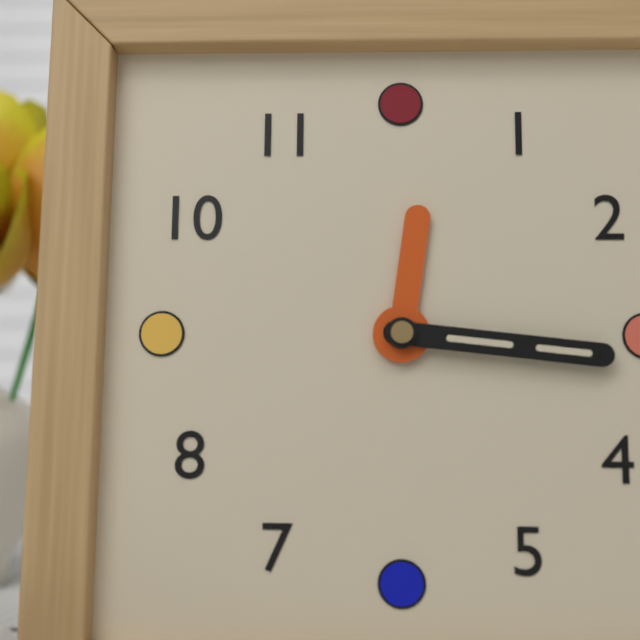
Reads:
{"hour": 12, "minute": 16}
